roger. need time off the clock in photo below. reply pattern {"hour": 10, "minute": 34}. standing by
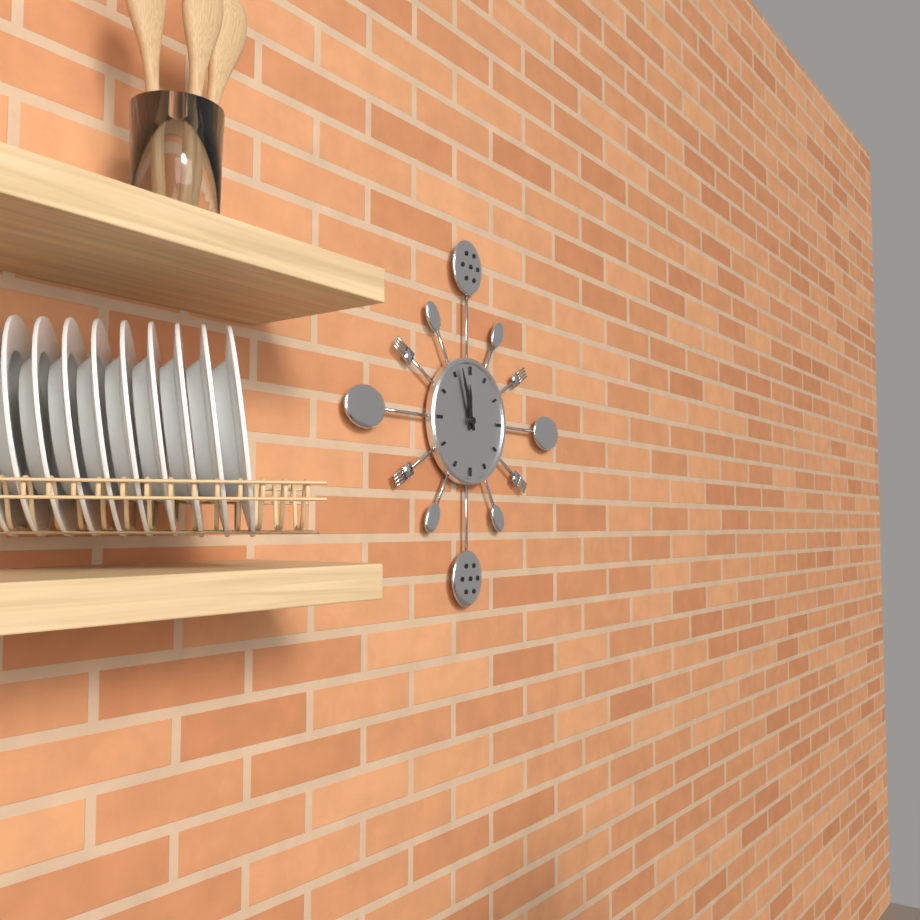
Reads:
{"hour": 11, "minute": 57}
